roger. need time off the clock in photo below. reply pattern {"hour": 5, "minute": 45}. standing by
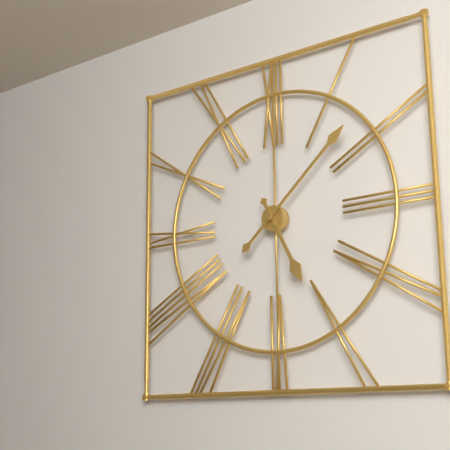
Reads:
{"hour": 5, "minute": 8}
